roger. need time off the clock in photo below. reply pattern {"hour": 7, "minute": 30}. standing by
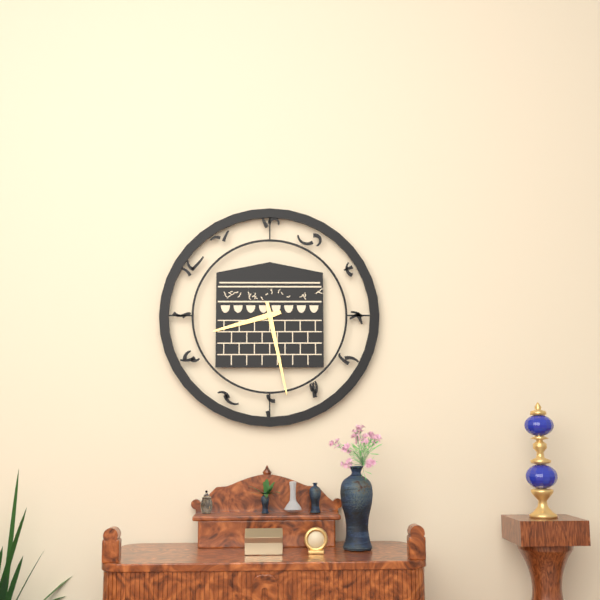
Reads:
{"hour": 8, "minute": 28}
